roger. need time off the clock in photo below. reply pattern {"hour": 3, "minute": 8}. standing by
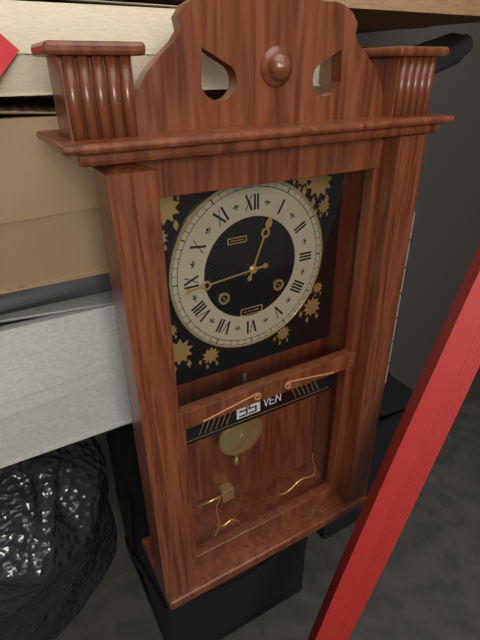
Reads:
{"hour": 12, "minute": 44}
